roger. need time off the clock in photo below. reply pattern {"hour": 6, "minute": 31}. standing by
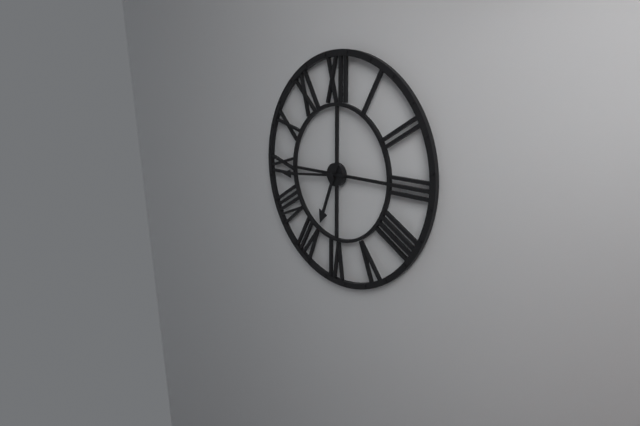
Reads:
{"hour": 6, "minute": 44}
